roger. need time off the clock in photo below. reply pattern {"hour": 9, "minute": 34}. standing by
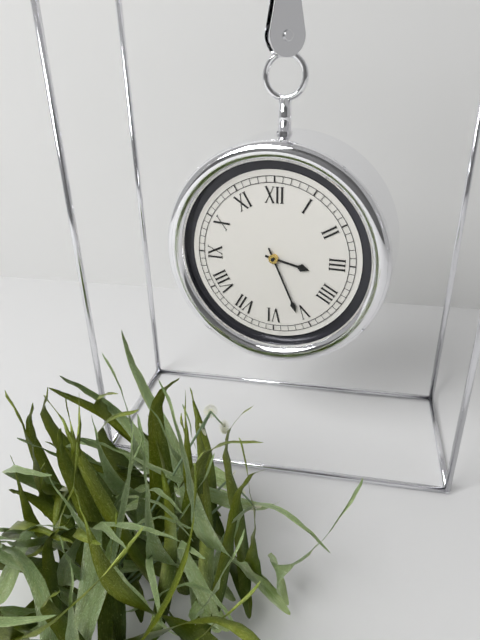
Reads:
{"hour": 3, "minute": 26}
